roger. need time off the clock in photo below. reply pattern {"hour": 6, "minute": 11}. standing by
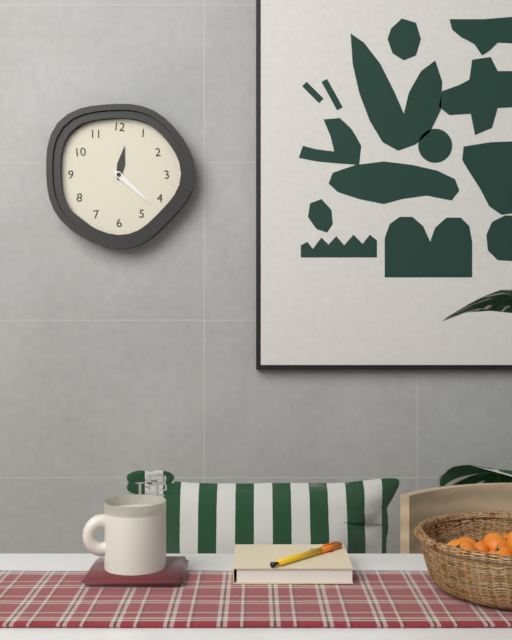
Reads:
{"hour": 12, "minute": 22}
